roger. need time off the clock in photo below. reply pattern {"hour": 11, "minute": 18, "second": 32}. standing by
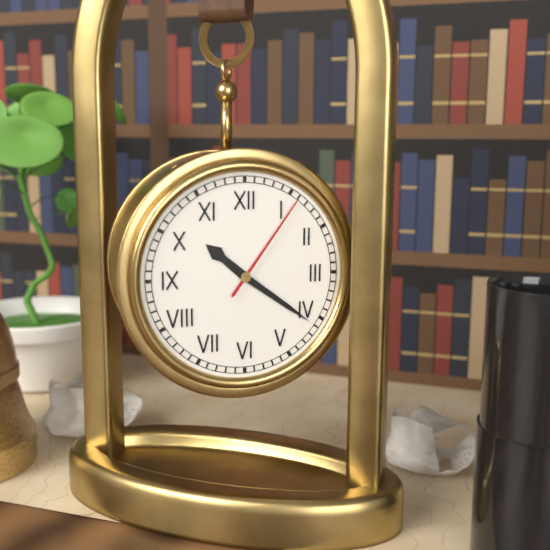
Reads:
{"hour": 10, "minute": 21, "second": 6}
